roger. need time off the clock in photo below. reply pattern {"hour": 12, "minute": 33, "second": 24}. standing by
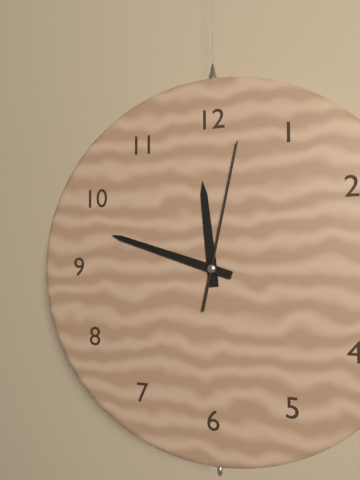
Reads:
{"hour": 11, "minute": 48, "second": 2}
